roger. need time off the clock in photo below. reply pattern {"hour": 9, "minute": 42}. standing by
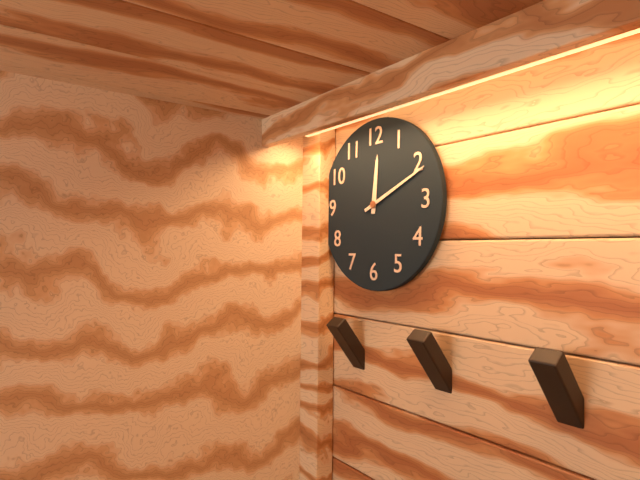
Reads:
{"hour": 12, "minute": 11}
